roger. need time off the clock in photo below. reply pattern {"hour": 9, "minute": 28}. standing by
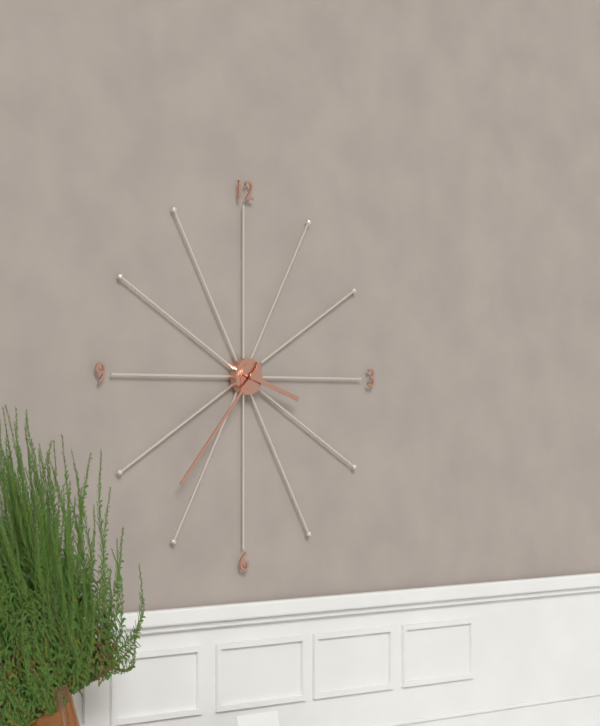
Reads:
{"hour": 3, "minute": 37}
